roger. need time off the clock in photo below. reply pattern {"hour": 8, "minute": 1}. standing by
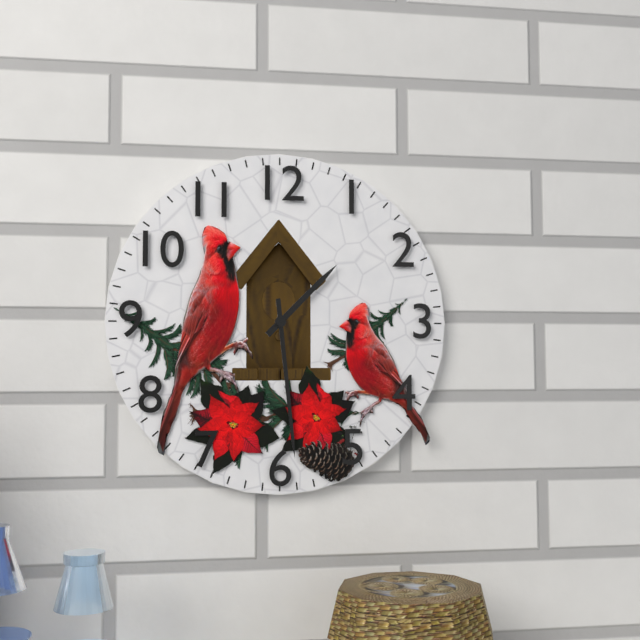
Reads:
{"hour": 1, "minute": 29}
